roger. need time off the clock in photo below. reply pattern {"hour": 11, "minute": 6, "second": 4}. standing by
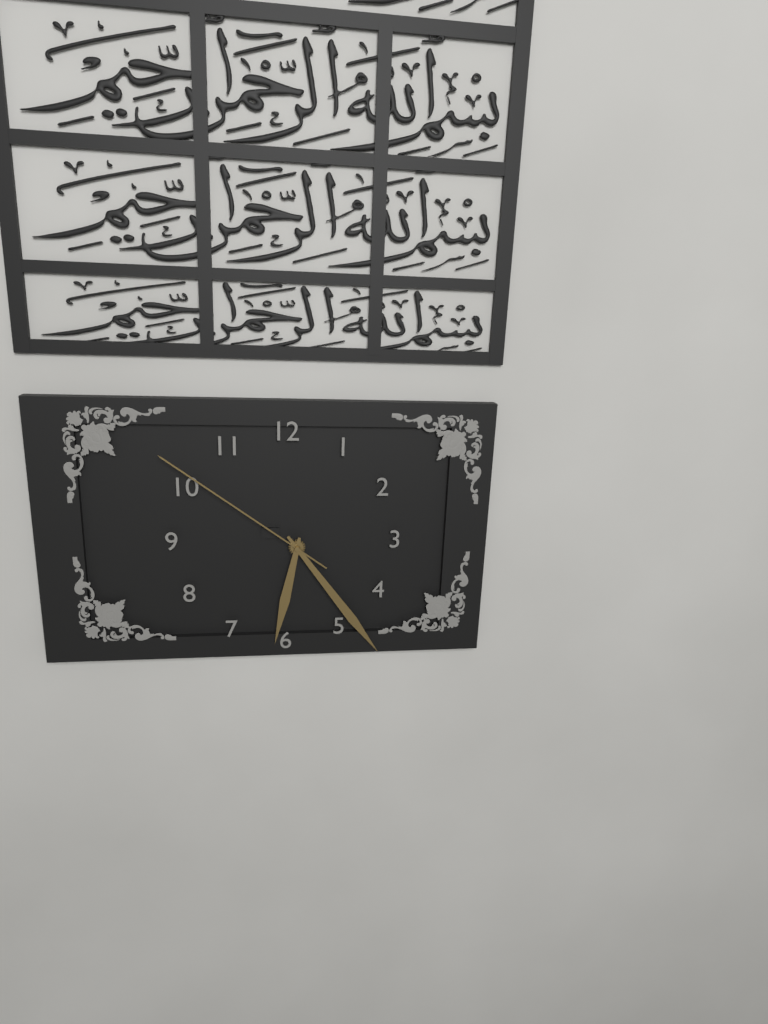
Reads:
{"hour": 6, "minute": 24, "second": 51}
